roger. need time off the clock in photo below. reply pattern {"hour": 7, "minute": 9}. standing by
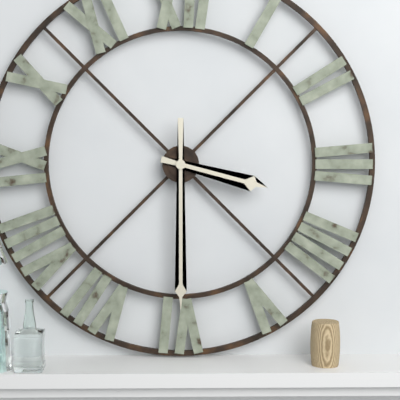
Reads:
{"hour": 3, "minute": 30}
